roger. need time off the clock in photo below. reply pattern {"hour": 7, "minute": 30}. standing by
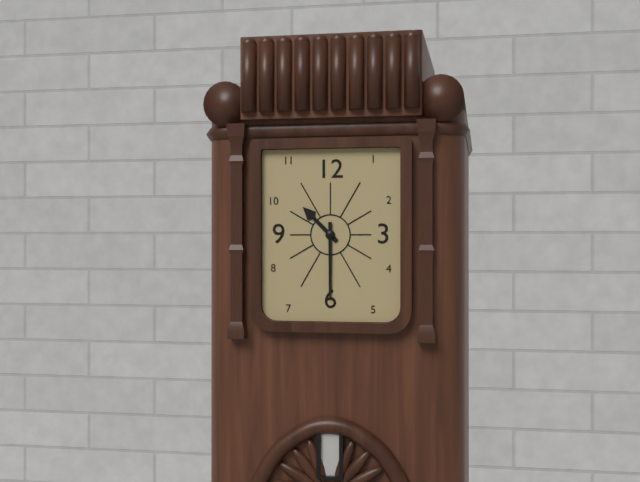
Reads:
{"hour": 10, "minute": 30}
